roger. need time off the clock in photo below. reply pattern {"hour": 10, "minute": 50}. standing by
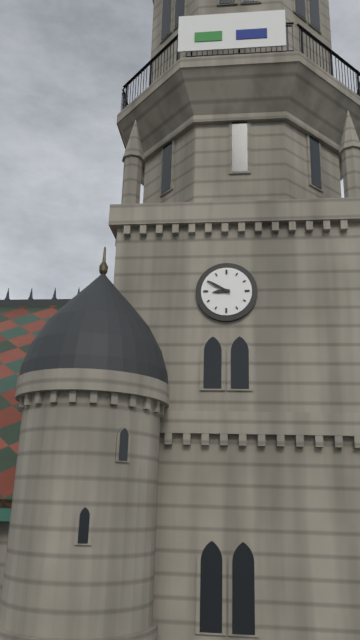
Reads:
{"hour": 8, "minute": 50}
